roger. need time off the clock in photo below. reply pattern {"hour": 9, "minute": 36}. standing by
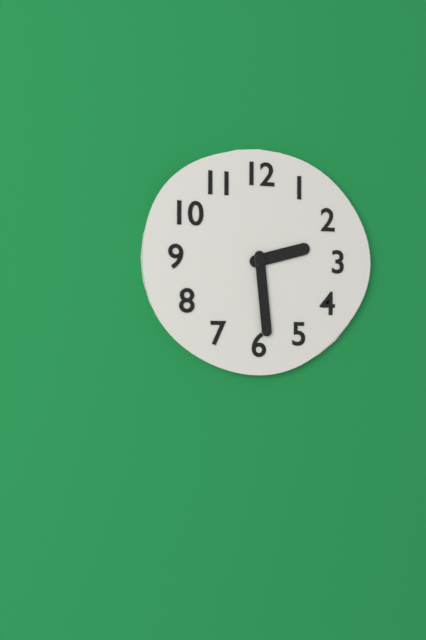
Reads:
{"hour": 2, "minute": 29}
